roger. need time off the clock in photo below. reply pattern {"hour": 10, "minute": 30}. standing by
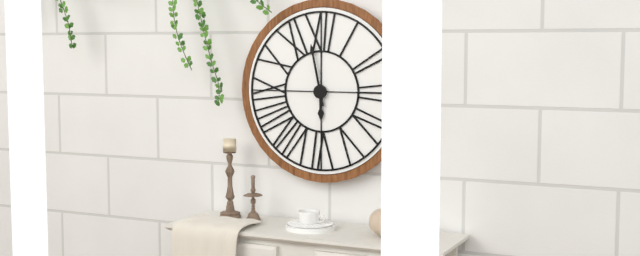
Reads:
{"hour": 5, "minute": 58}
